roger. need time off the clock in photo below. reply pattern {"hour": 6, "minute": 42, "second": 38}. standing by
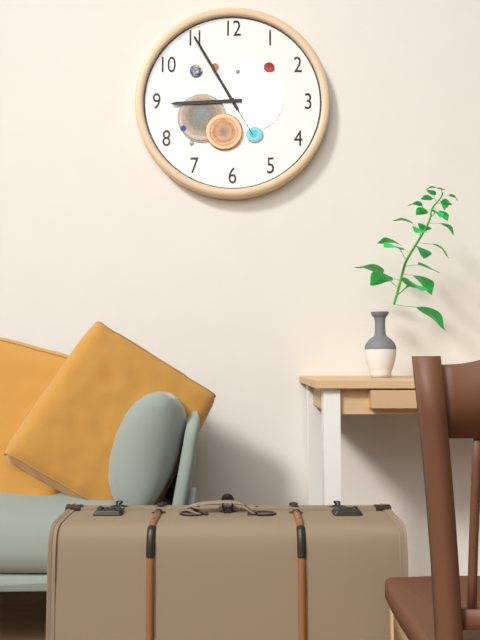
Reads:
{"hour": 8, "minute": 55, "second": 25}
